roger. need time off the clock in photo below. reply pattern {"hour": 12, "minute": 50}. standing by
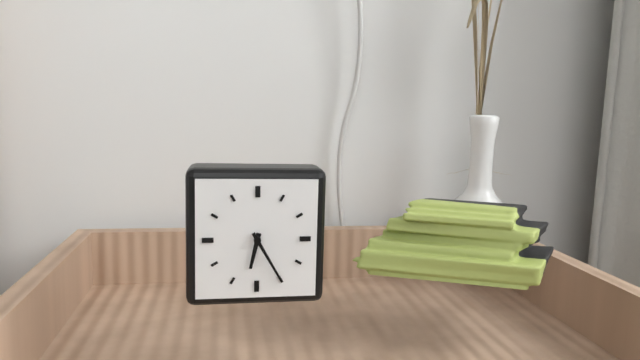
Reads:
{"hour": 6, "minute": 25}
